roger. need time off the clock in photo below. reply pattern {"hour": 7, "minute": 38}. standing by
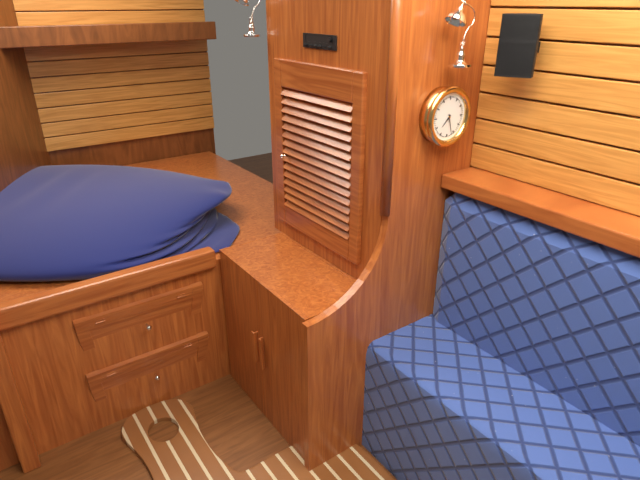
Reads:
{"hour": 7, "minute": 27}
